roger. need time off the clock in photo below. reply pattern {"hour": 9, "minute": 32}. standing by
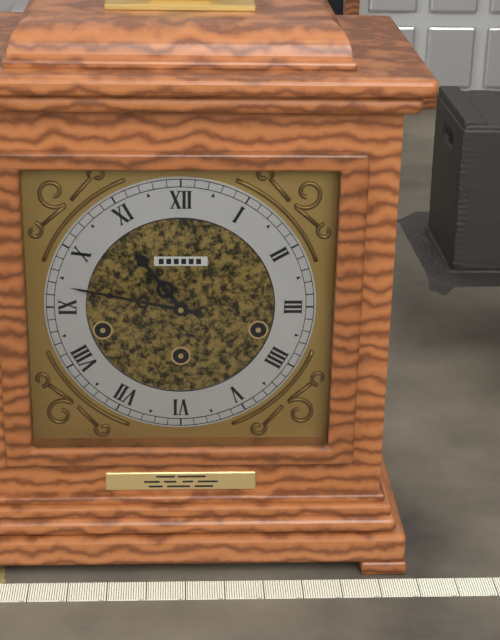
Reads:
{"hour": 10, "minute": 47}
